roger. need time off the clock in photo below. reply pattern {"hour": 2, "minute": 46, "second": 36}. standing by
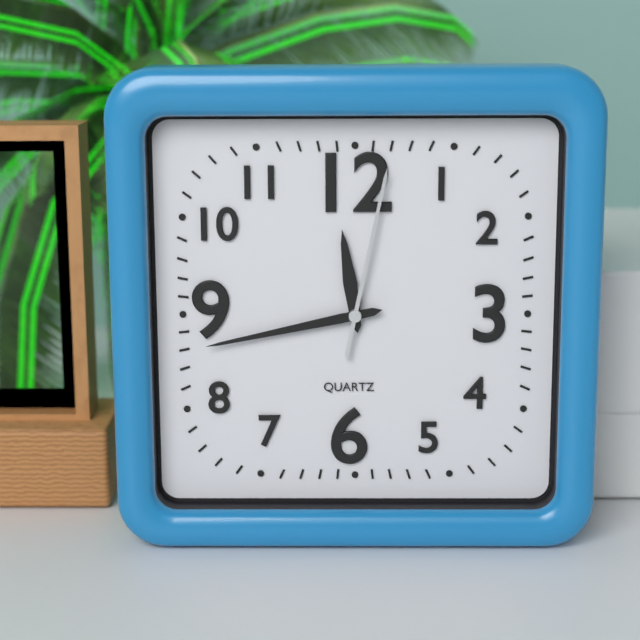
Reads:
{"hour": 11, "minute": 43, "second": 2}
